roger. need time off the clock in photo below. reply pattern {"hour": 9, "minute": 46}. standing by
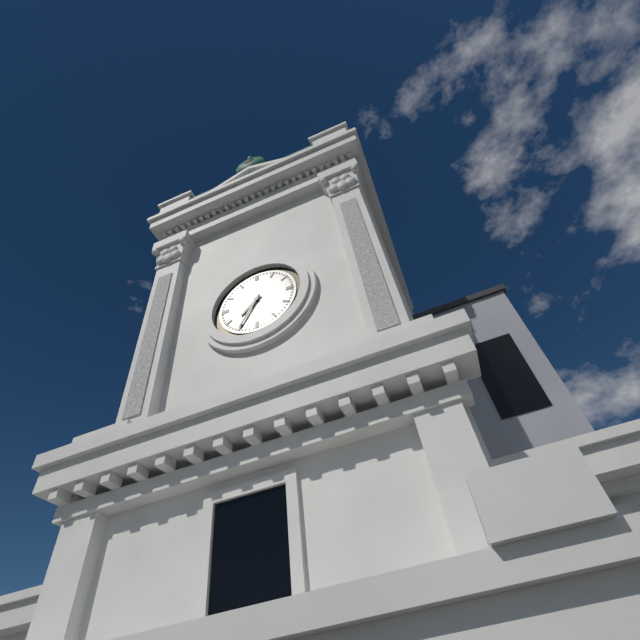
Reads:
{"hour": 7, "minute": 35}
